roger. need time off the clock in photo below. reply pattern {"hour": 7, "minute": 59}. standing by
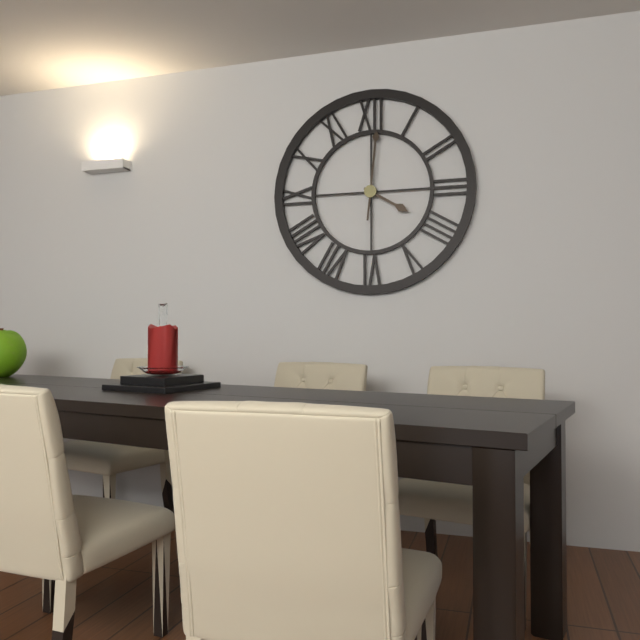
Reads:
{"hour": 4, "minute": 1}
